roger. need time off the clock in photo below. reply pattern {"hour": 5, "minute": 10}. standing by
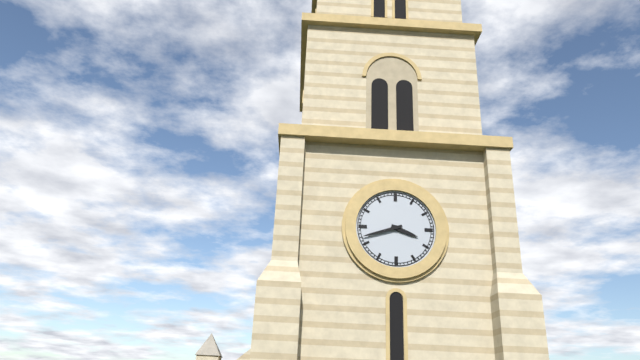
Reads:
{"hour": 3, "minute": 42}
